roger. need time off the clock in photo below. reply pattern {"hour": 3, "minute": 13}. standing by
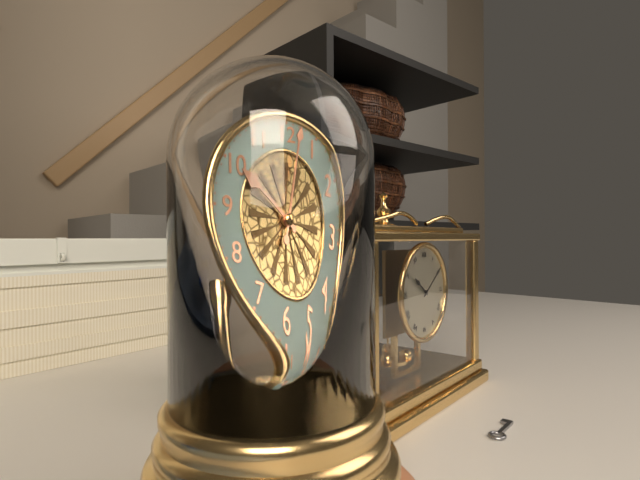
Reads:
{"hour": 10, "minute": 2}
